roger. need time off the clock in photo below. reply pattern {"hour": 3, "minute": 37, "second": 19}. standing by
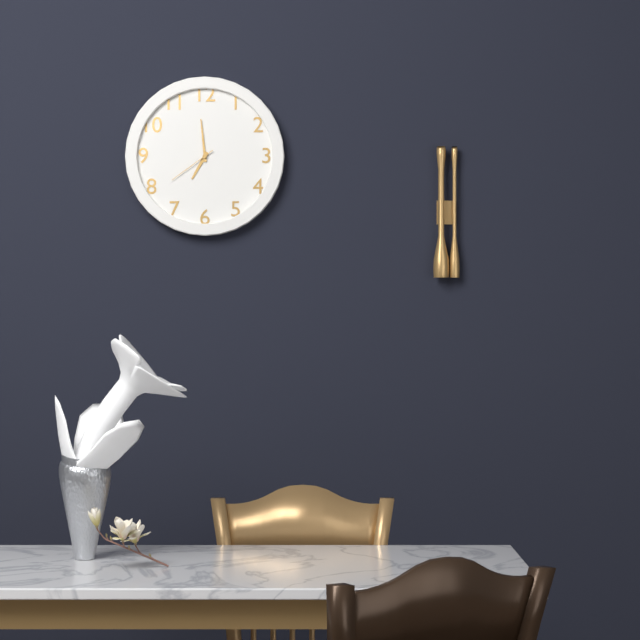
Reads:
{"hour": 6, "minute": 59, "second": 39}
